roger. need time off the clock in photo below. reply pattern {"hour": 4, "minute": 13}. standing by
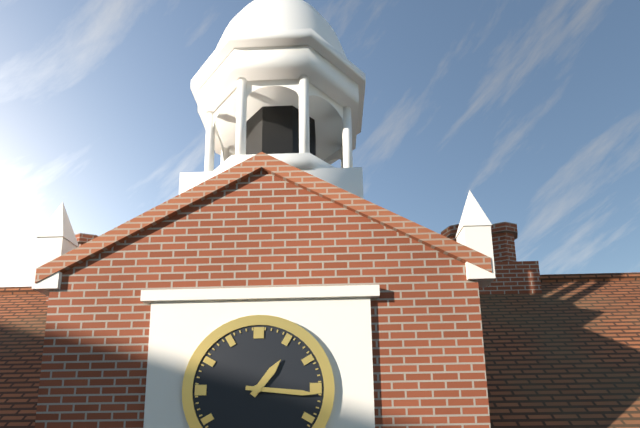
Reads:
{"hour": 1, "minute": 16}
